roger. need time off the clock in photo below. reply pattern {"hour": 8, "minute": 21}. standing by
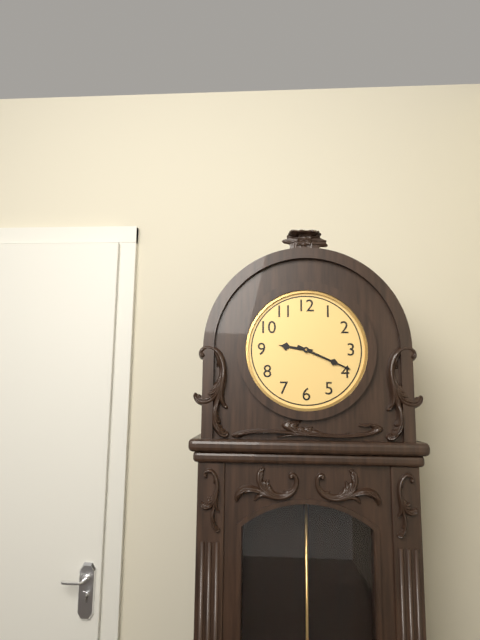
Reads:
{"hour": 9, "minute": 19}
